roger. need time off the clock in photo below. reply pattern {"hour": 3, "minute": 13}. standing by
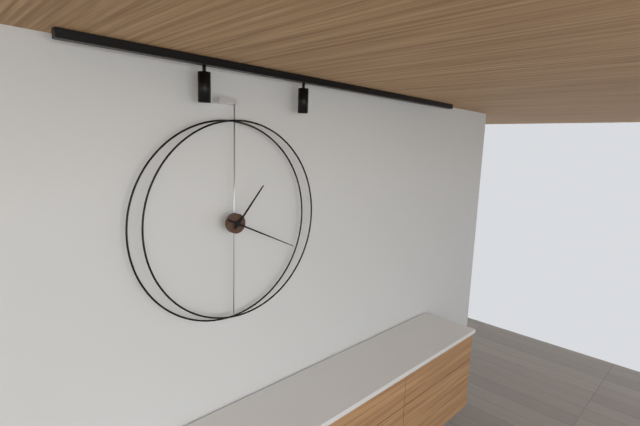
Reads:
{"hour": 1, "minute": 19}
